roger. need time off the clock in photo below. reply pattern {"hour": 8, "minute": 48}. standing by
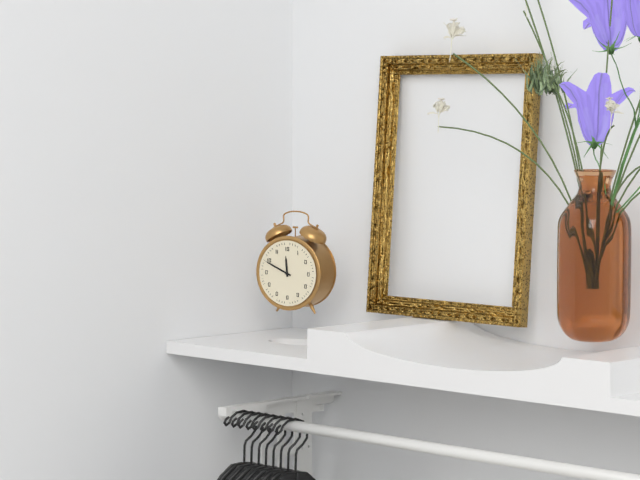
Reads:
{"hour": 11, "minute": 49}
